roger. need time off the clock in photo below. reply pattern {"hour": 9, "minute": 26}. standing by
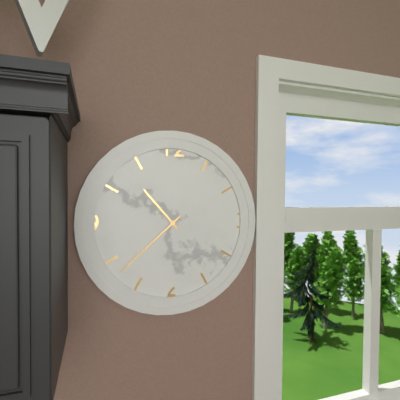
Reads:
{"hour": 10, "minute": 38}
